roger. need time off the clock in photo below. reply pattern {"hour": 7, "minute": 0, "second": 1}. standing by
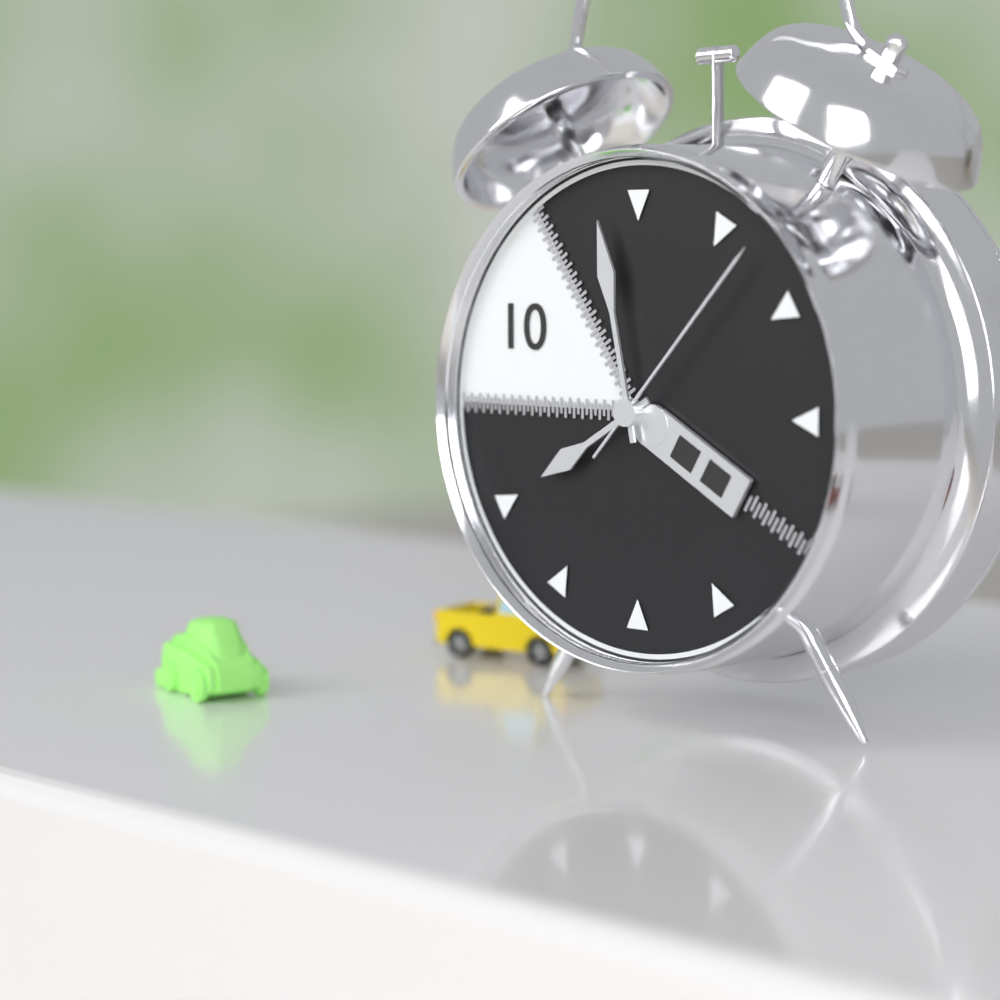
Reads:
{"hour": 7, "minute": 58, "second": 7}
